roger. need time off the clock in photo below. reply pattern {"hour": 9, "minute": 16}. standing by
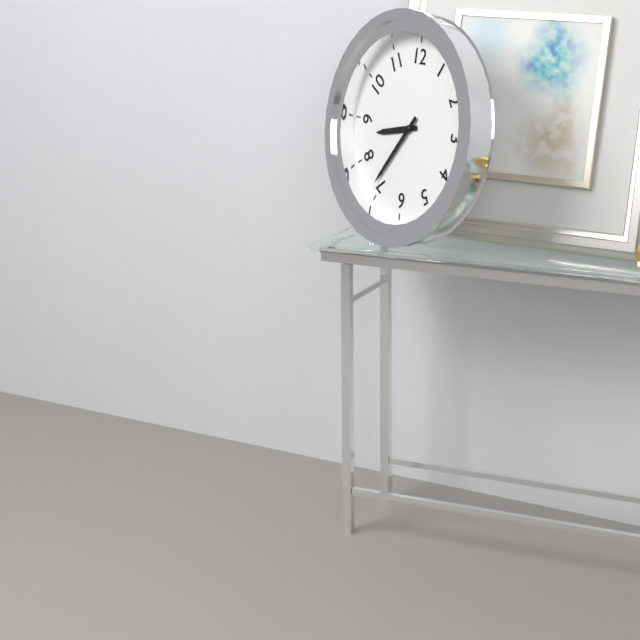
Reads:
{"hour": 8, "minute": 36}
